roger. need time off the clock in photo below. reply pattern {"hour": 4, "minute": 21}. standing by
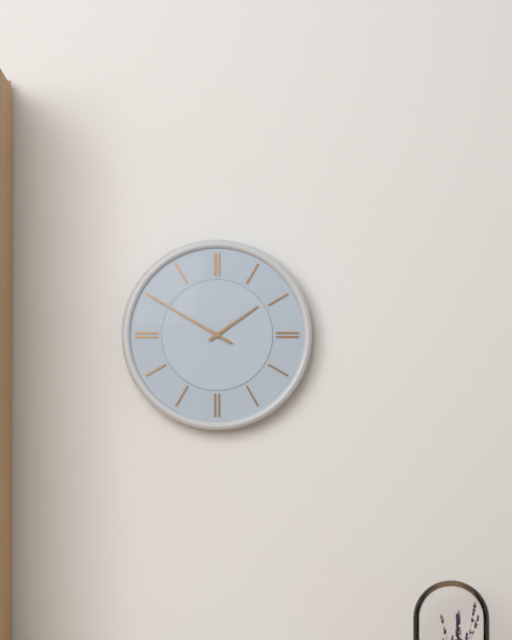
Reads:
{"hour": 1, "minute": 50}
